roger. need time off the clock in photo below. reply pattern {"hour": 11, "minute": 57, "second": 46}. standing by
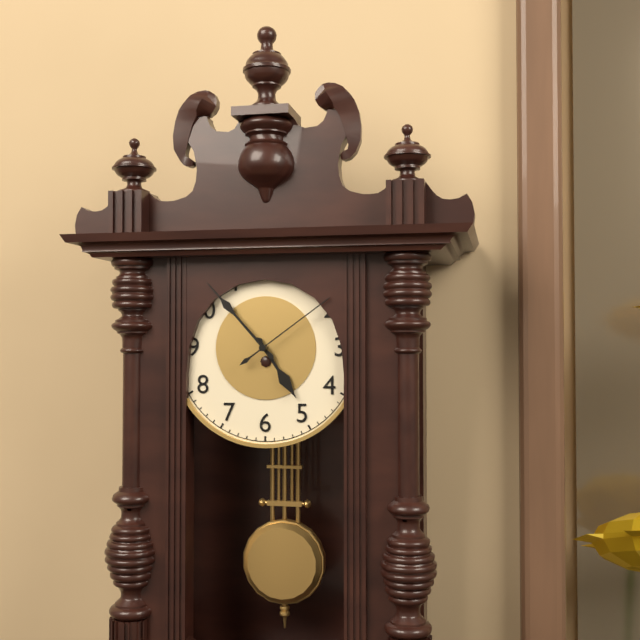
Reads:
{"hour": 4, "minute": 53, "second": 9}
